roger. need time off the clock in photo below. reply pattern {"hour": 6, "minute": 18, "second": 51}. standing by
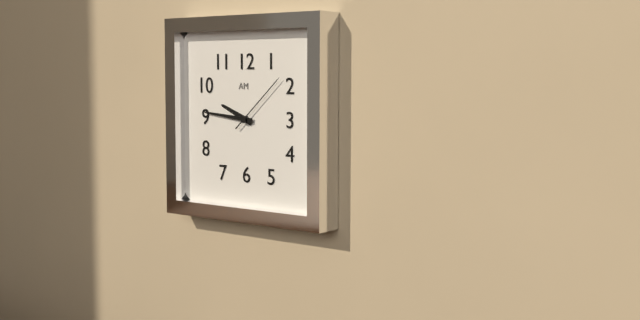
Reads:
{"hour": 9, "minute": 46, "second": 8}
